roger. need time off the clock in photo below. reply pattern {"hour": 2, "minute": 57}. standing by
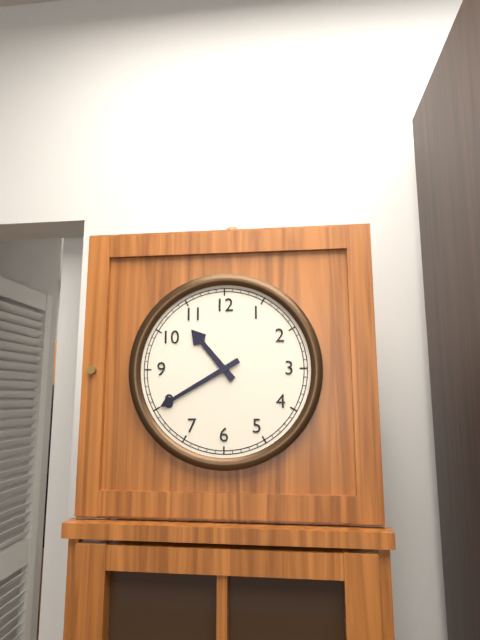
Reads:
{"hour": 10, "minute": 40}
